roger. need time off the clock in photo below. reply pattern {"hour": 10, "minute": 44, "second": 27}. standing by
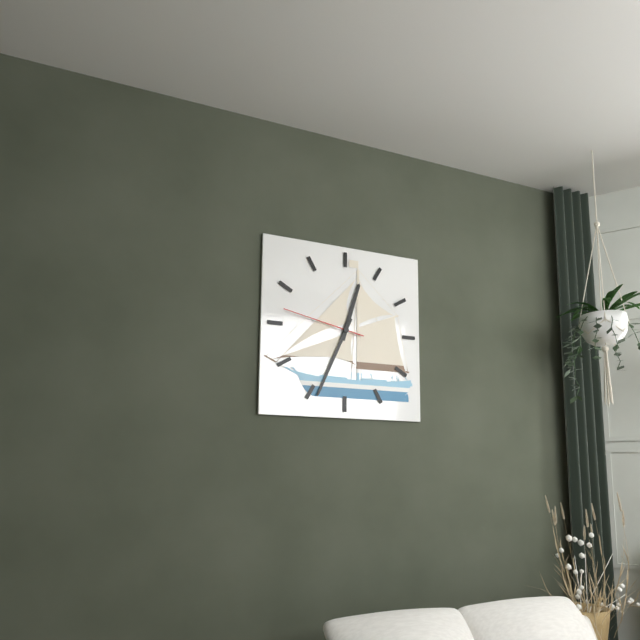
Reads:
{"hour": 12, "minute": 34, "second": 47}
